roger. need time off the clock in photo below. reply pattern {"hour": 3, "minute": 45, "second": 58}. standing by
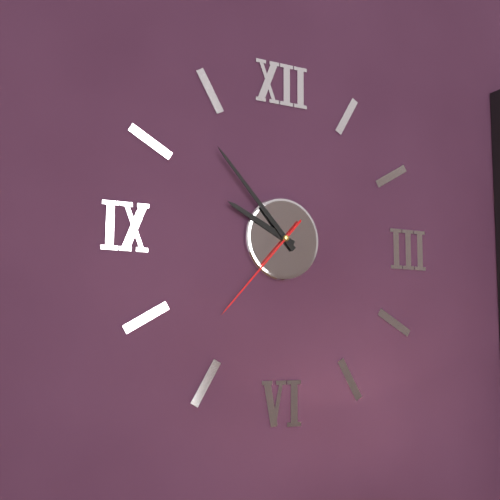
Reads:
{"hour": 9, "minute": 53, "second": 37}
